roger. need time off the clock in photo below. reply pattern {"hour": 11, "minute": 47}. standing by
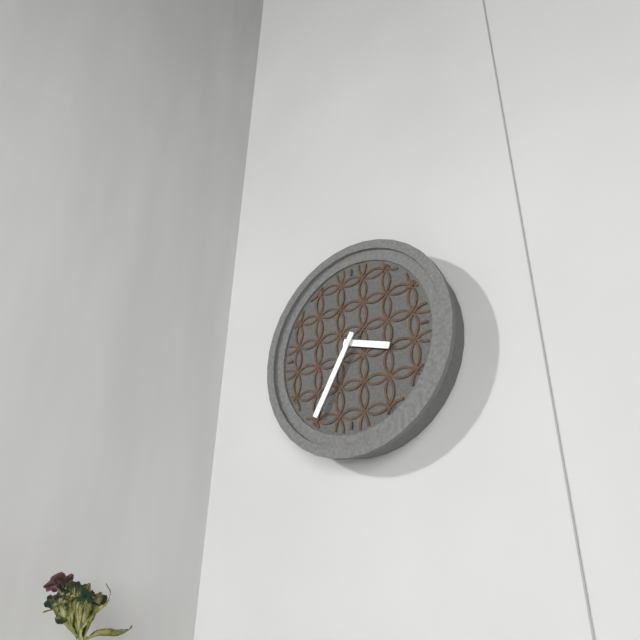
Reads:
{"hour": 3, "minute": 35}
